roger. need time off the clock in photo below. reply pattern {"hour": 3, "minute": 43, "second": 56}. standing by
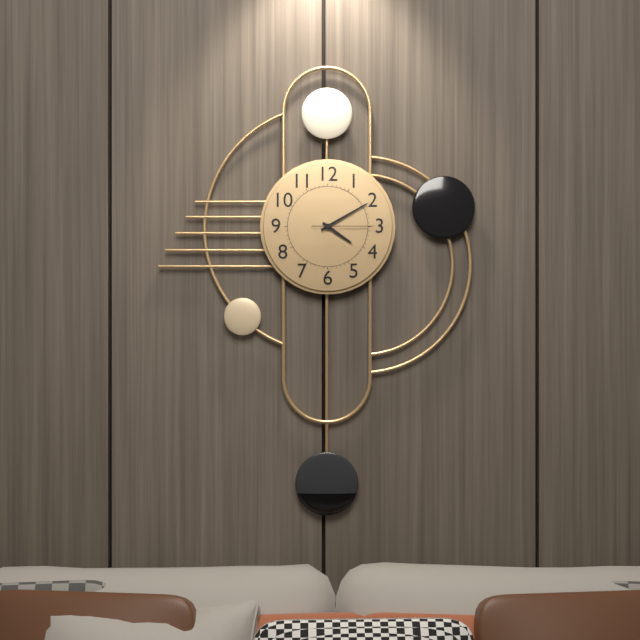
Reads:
{"hour": 4, "minute": 10, "second": 15}
